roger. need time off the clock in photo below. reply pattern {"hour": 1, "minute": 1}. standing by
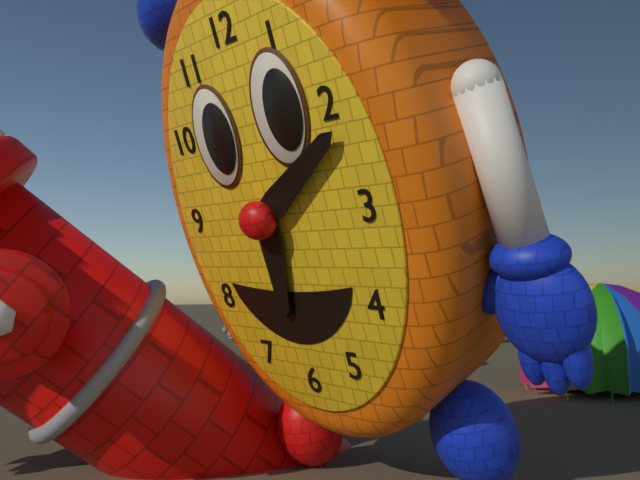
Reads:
{"hour": 6, "minute": 10}
